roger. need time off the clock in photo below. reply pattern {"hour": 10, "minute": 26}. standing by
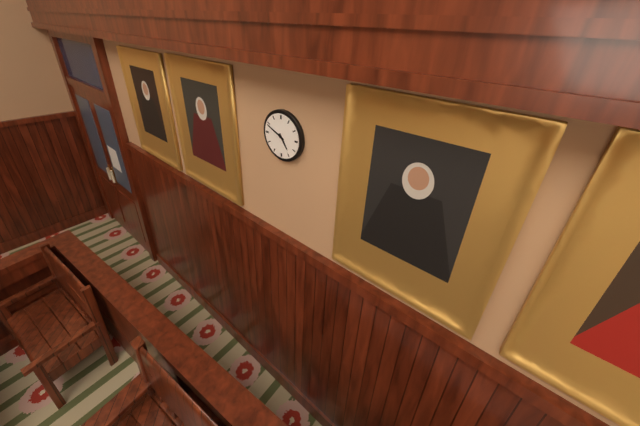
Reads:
{"hour": 4, "minute": 49}
